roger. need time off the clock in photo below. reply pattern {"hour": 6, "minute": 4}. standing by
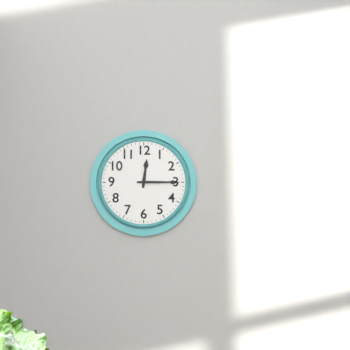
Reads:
{"hour": 12, "minute": 15}
